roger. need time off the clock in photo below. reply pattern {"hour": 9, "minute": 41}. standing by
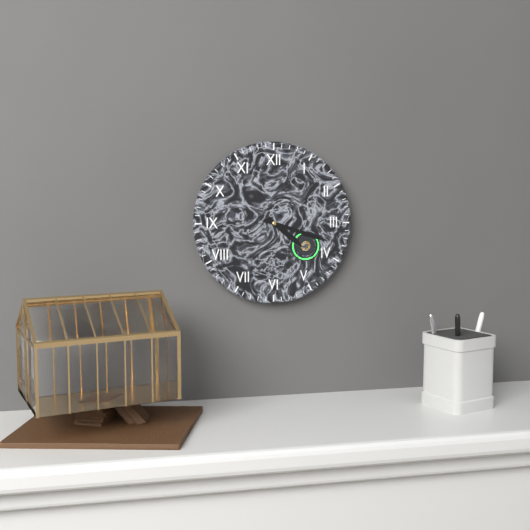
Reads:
{"hour": 4, "minute": 18}
